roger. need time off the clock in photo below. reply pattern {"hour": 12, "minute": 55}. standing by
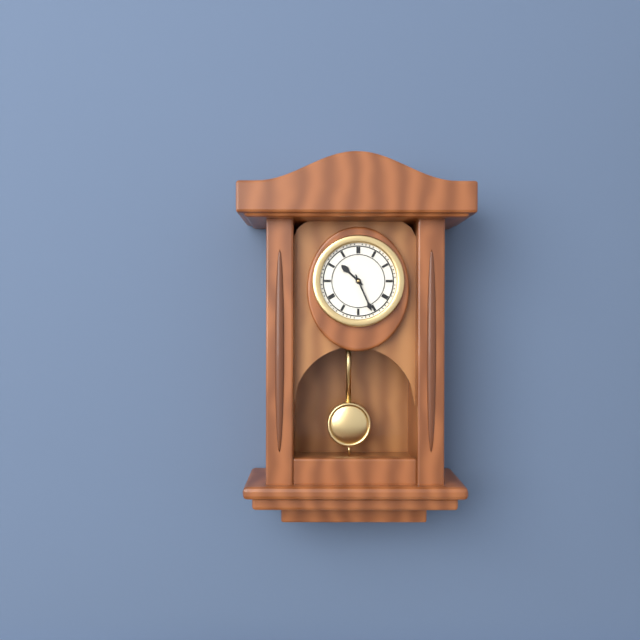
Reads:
{"hour": 10, "minute": 26}
